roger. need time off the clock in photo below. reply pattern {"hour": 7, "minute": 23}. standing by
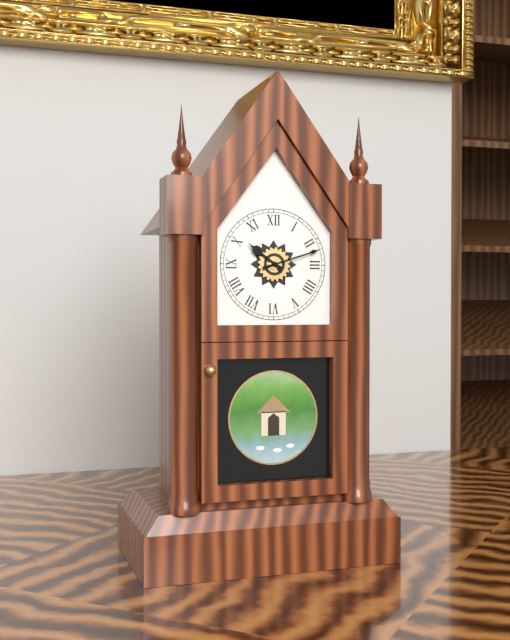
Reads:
{"hour": 10, "minute": 12}
